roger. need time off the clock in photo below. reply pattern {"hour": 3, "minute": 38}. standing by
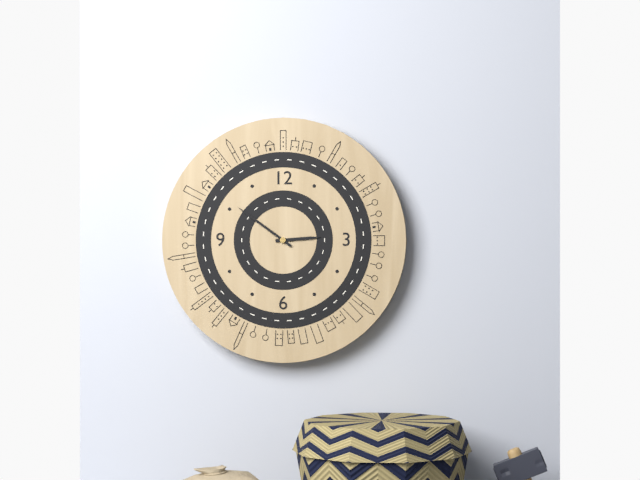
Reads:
{"hour": 2, "minute": 51}
